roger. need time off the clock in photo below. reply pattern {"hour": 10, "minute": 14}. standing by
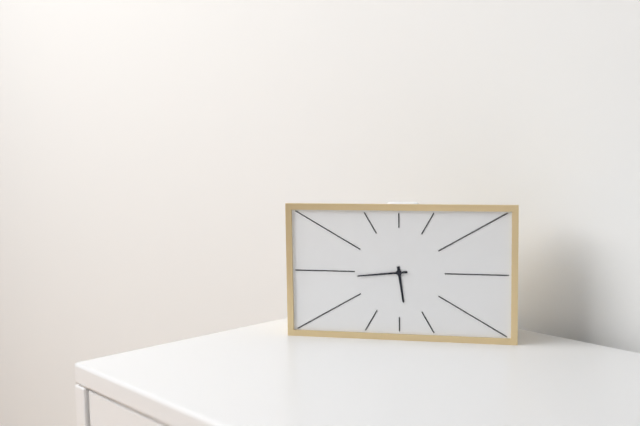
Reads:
{"hour": 5, "minute": 44}
